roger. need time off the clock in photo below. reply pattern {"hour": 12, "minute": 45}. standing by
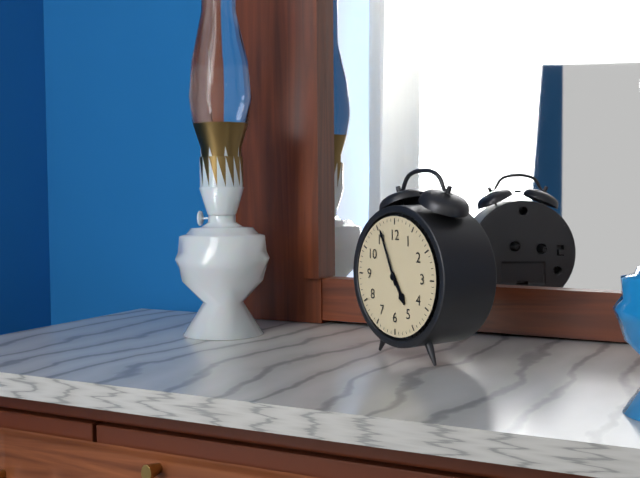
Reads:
{"hour": 4, "minute": 56}
